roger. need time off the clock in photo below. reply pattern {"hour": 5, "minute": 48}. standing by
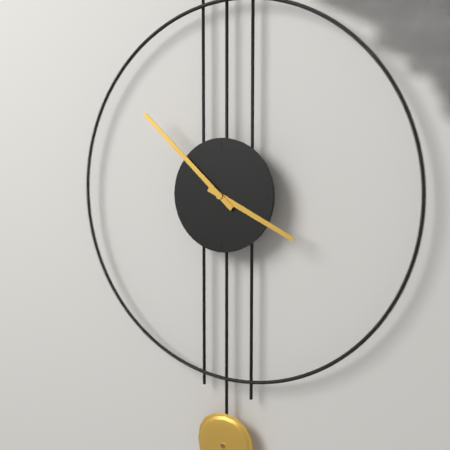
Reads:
{"hour": 3, "minute": 52}
